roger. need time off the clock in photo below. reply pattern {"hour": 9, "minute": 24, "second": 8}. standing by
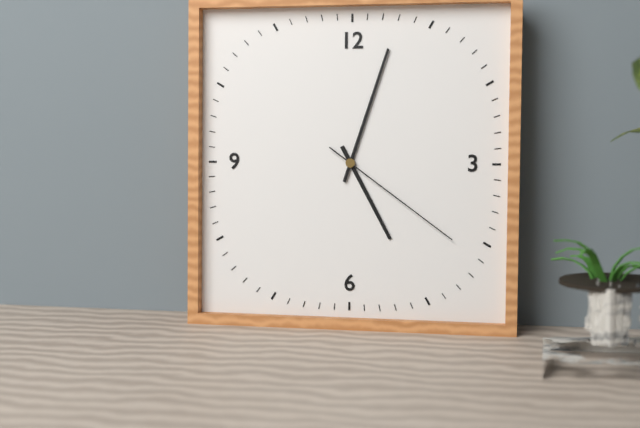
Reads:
{"hour": 5, "minute": 3, "second": 21}
